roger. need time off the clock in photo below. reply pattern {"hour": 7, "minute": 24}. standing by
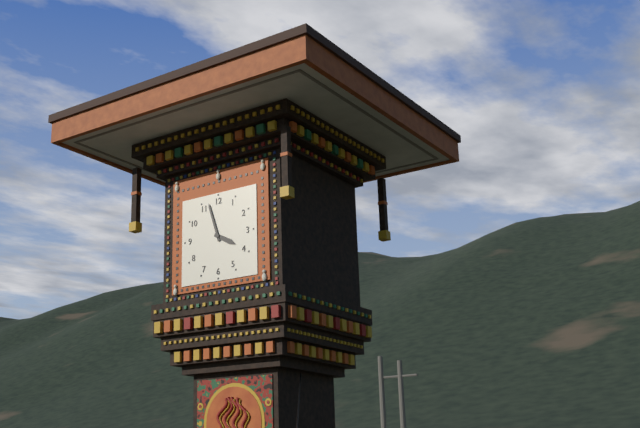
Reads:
{"hour": 3, "minute": 57}
